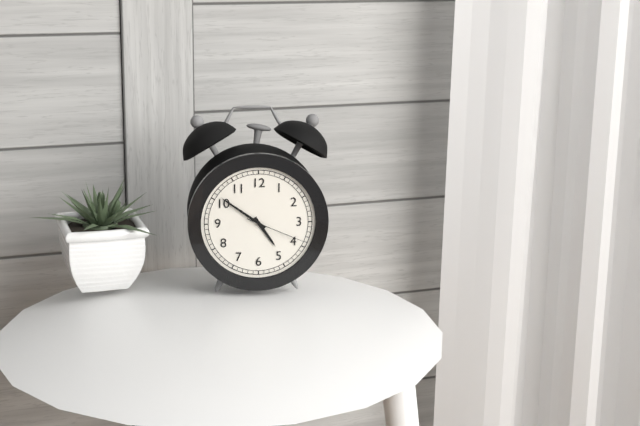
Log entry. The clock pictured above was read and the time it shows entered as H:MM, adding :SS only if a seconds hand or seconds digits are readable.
4:51:19
